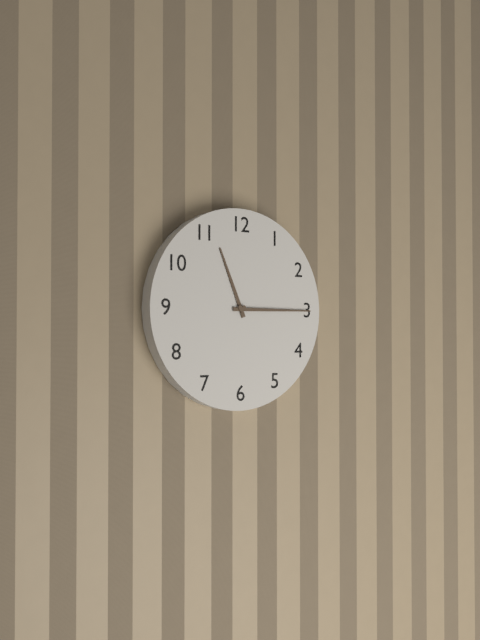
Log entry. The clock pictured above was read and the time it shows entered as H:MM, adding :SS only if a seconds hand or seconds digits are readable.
11:15
